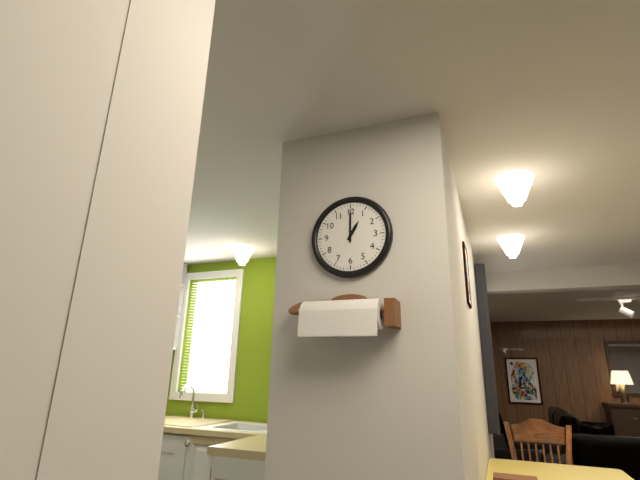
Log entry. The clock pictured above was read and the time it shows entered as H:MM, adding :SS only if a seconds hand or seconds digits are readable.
1:00
